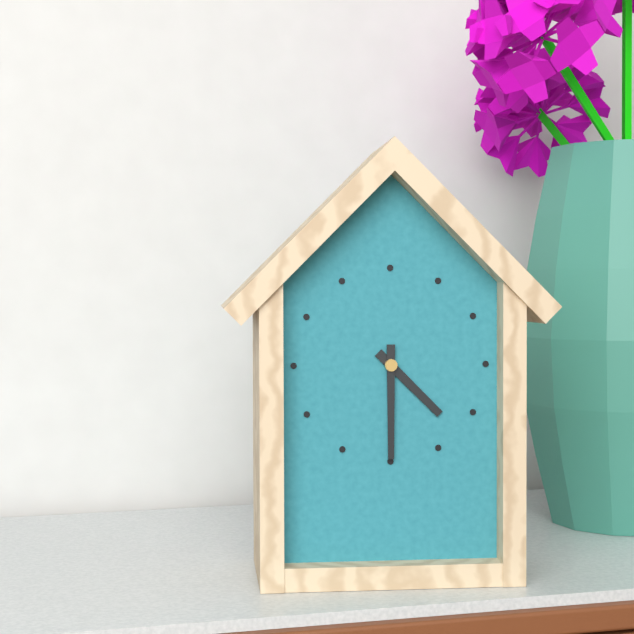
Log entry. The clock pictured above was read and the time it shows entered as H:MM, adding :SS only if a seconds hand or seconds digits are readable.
4:30
